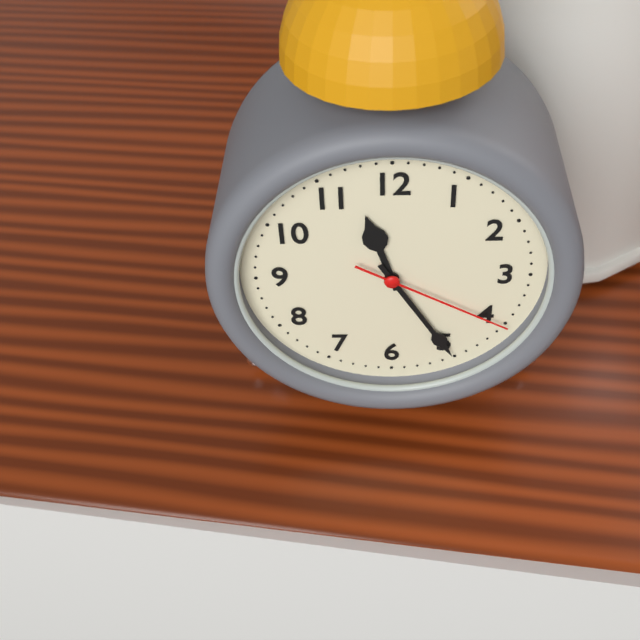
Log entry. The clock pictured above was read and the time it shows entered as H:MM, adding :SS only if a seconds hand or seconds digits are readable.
11:25:20
